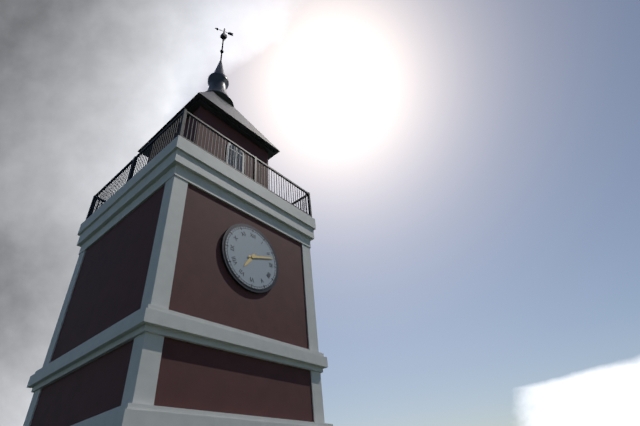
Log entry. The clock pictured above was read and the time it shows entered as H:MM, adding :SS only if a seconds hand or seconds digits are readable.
7:12
